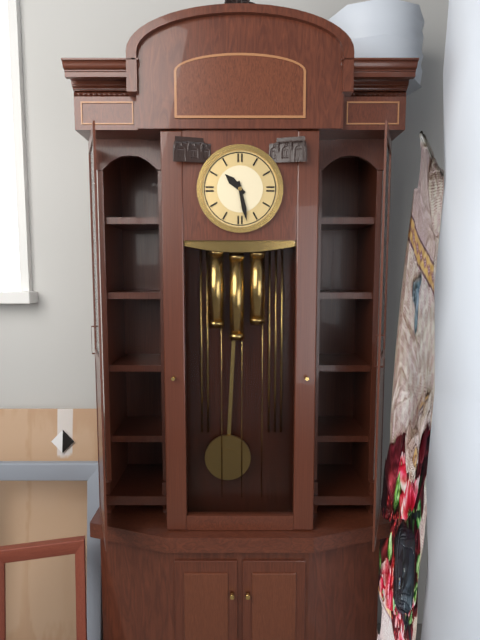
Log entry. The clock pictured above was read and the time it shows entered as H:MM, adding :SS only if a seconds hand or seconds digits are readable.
10:28
